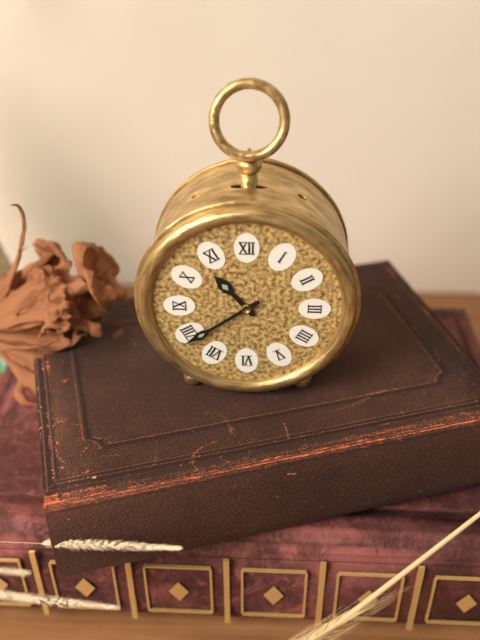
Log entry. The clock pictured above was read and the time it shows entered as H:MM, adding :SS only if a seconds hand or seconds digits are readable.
10:39
